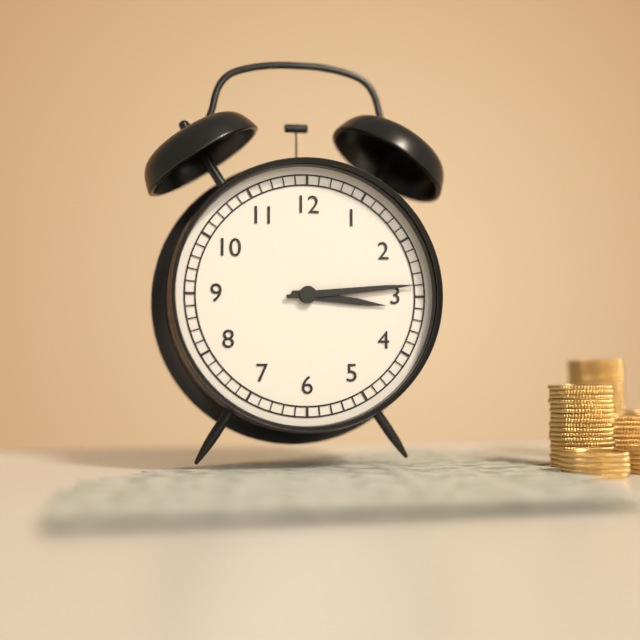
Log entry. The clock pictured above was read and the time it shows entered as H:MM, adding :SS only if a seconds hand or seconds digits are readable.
3:14
